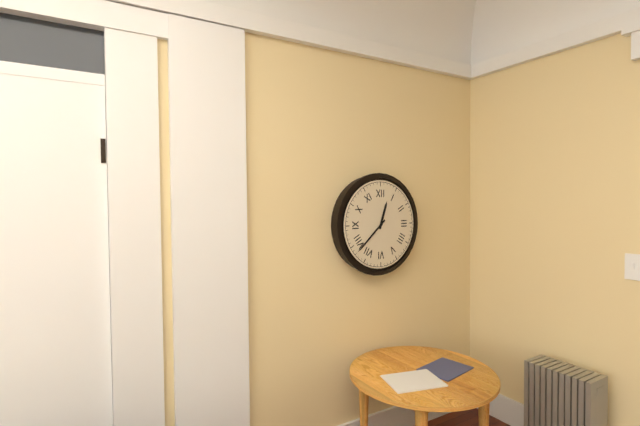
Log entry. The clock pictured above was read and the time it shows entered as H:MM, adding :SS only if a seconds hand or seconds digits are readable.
12:38
